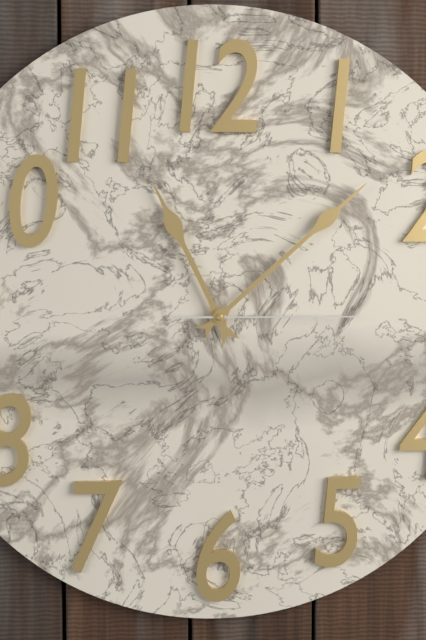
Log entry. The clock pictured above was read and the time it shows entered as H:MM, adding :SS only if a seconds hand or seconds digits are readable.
11:08:15
